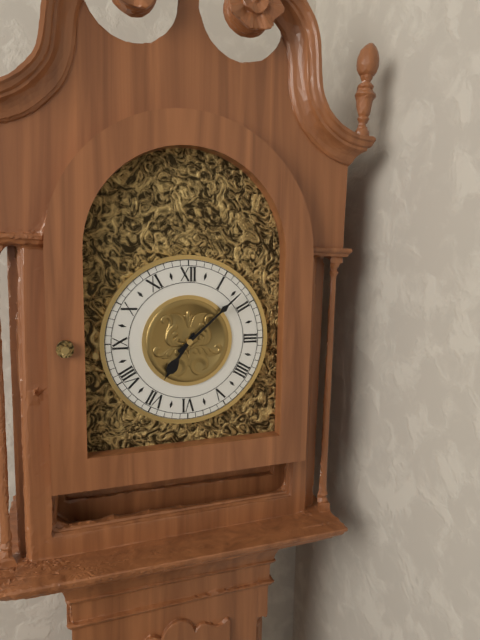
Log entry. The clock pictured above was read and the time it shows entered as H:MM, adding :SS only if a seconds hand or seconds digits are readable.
7:08
